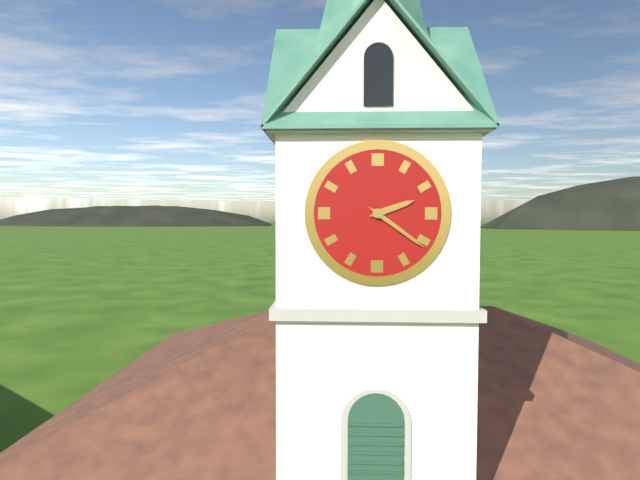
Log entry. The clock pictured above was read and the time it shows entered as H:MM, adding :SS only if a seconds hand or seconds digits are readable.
2:21
